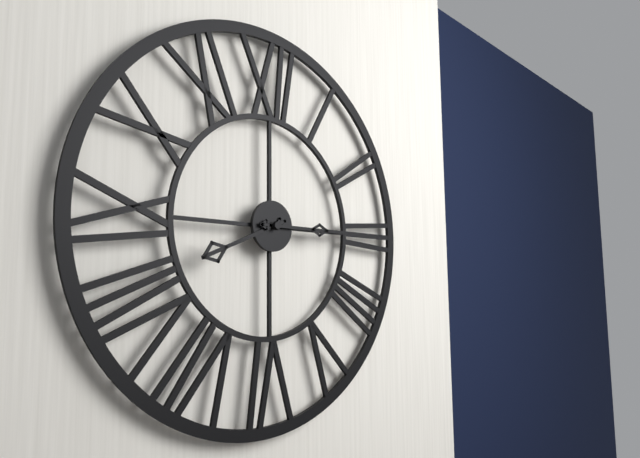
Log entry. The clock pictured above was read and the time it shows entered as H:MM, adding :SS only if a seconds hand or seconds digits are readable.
8:15
